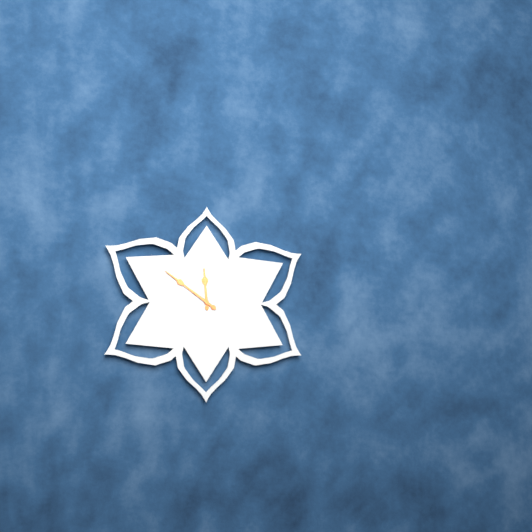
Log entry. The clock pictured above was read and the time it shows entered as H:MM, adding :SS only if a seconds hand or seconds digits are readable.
11:51
